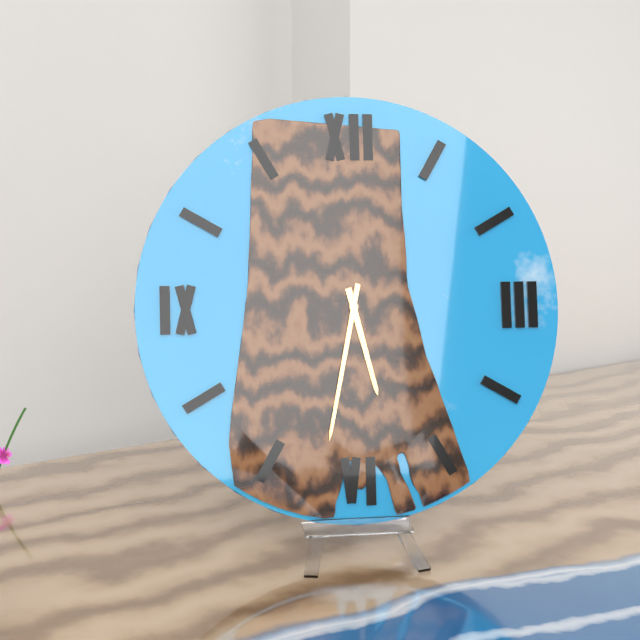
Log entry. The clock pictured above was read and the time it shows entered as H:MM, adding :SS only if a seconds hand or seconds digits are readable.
5:32
